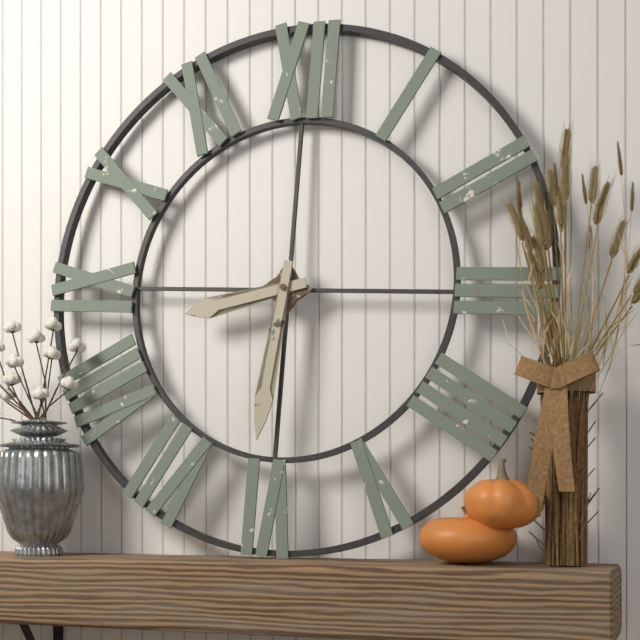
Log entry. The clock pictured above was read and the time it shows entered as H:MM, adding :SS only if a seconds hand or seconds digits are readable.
8:31
